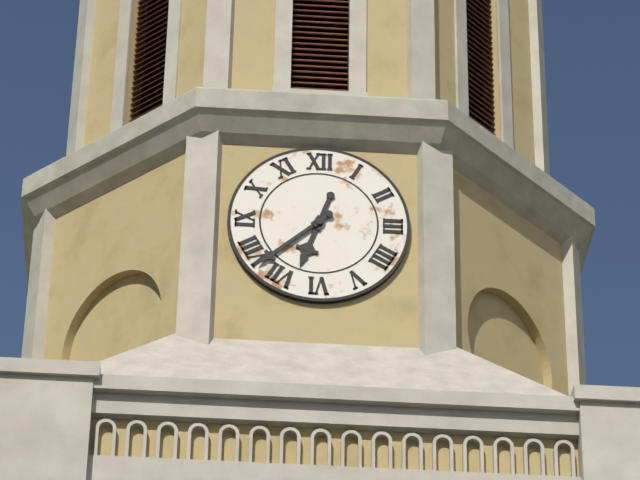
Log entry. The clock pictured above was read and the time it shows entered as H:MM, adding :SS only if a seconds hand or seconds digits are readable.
6:38
